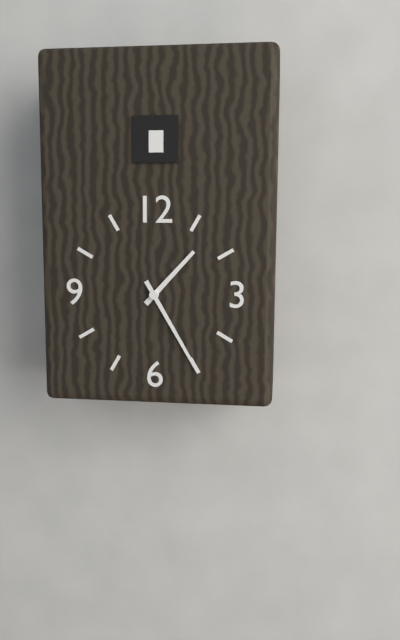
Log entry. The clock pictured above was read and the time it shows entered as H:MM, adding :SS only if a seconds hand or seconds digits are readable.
1:25
